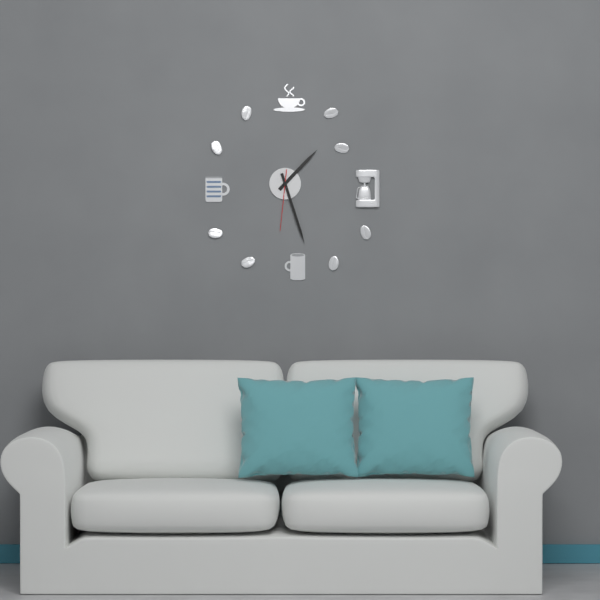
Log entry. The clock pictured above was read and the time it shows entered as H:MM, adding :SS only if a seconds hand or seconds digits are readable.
1:27:31
